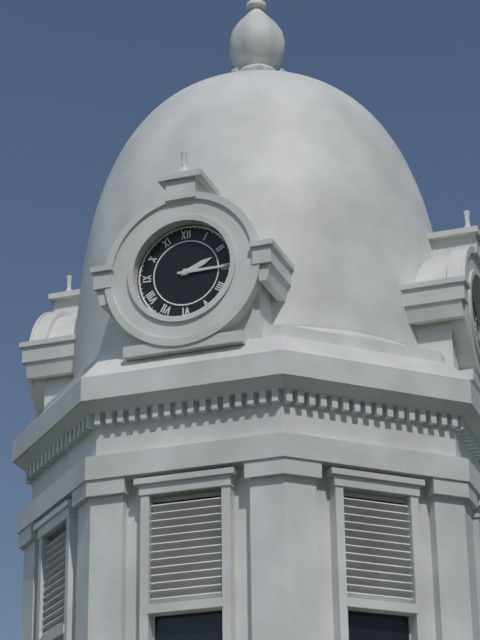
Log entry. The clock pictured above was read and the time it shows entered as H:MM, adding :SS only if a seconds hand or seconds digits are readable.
2:15
